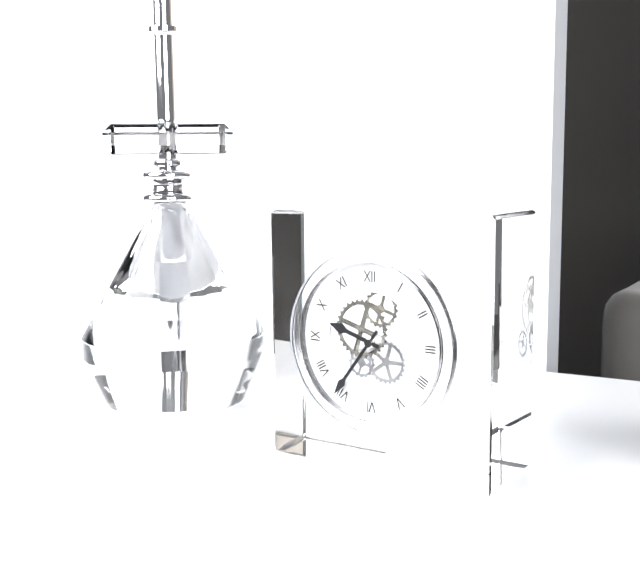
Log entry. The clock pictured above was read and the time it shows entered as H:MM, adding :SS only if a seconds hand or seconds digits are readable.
9:36
